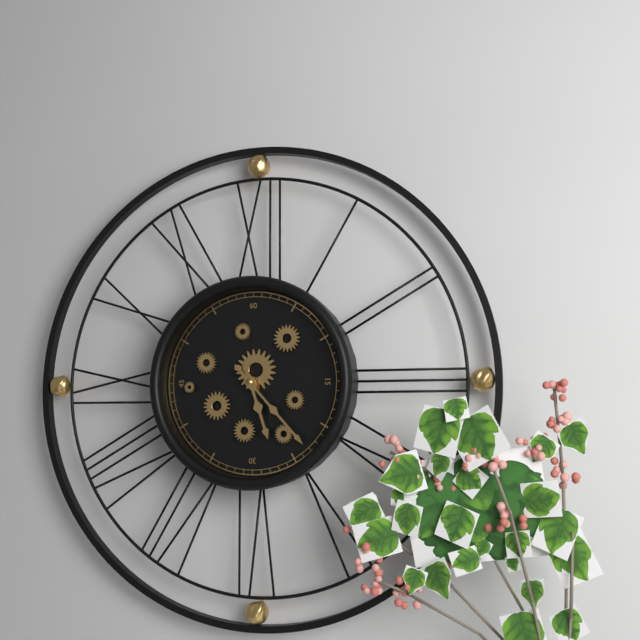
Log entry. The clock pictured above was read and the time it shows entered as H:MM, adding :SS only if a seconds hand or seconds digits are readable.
5:23
